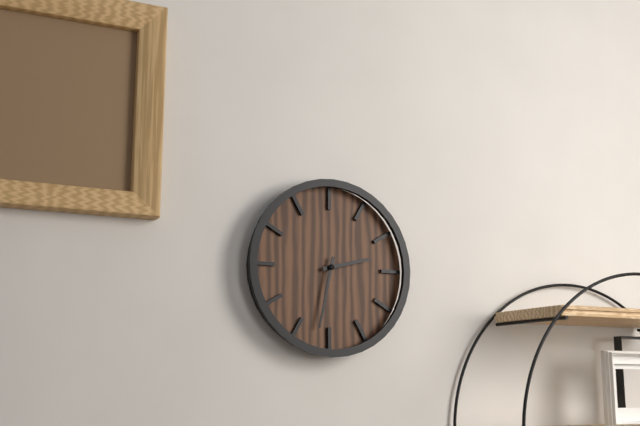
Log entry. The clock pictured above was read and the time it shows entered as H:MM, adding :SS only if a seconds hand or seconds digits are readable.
2:32
